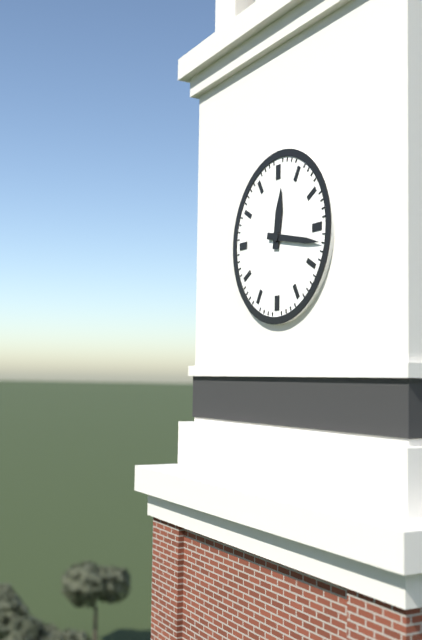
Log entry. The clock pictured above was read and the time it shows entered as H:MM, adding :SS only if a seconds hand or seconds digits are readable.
12:17
